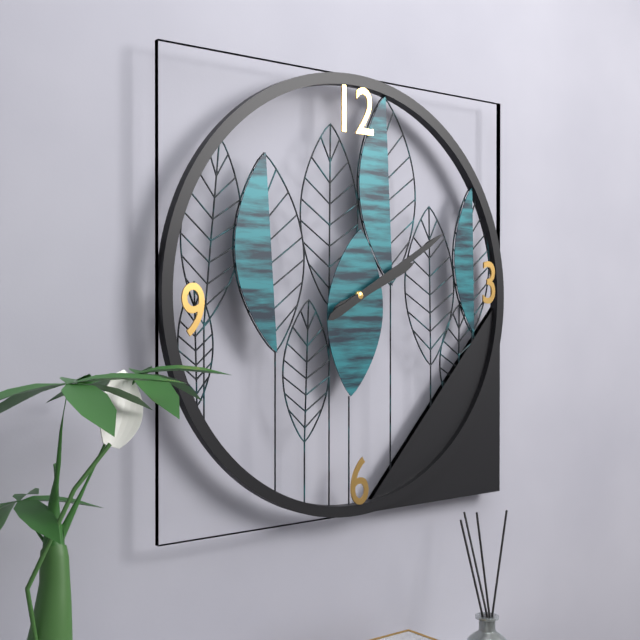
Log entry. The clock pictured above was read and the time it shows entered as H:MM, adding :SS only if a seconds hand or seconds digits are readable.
2:10
